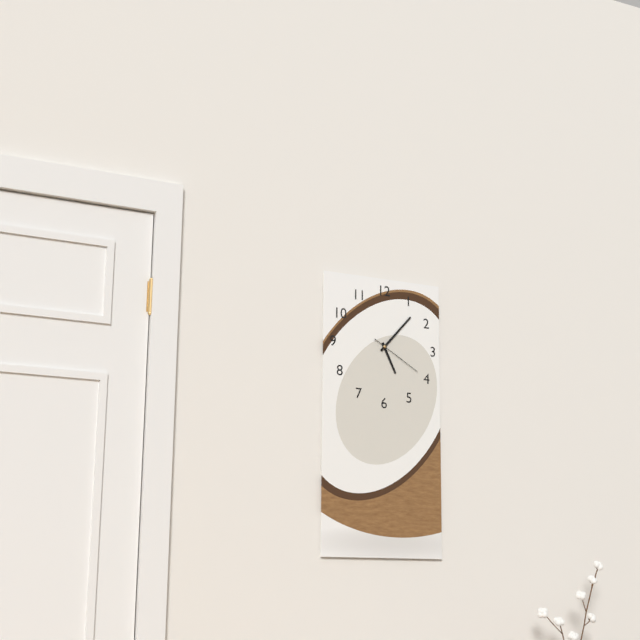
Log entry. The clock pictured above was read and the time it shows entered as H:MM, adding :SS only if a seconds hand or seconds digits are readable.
5:07:20
